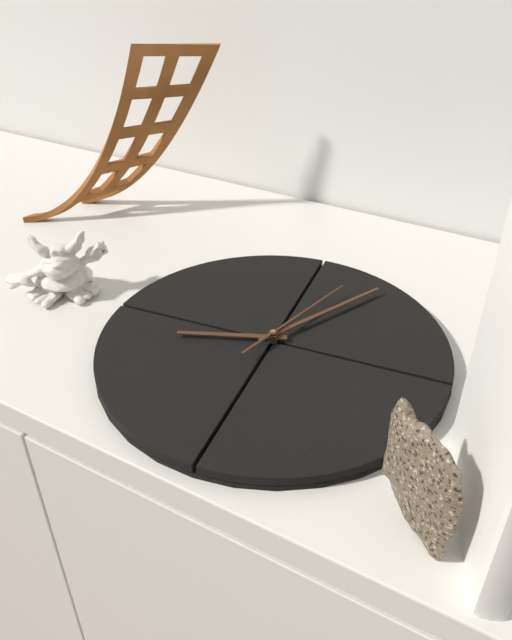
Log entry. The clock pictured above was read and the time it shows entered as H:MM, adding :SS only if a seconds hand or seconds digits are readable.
9:09:07
